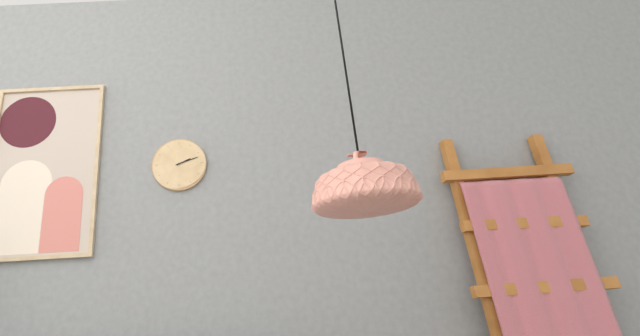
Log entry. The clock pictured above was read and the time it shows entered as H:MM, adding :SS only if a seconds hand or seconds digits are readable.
2:12
